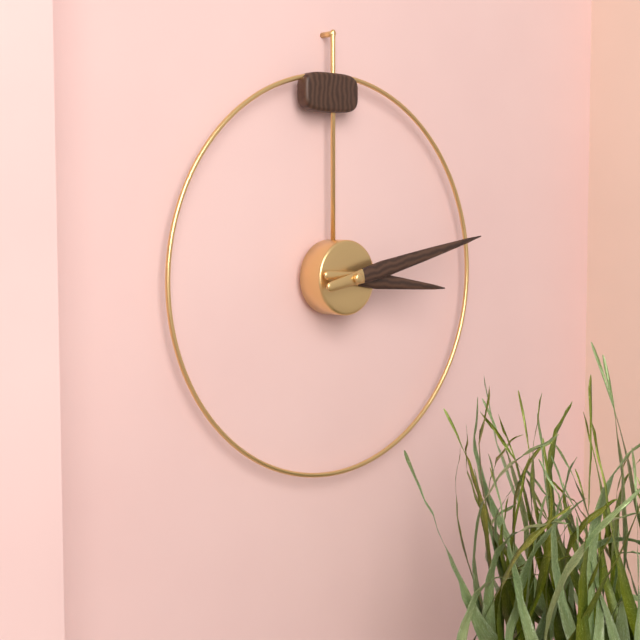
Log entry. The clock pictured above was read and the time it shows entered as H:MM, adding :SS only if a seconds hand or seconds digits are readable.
3:13
